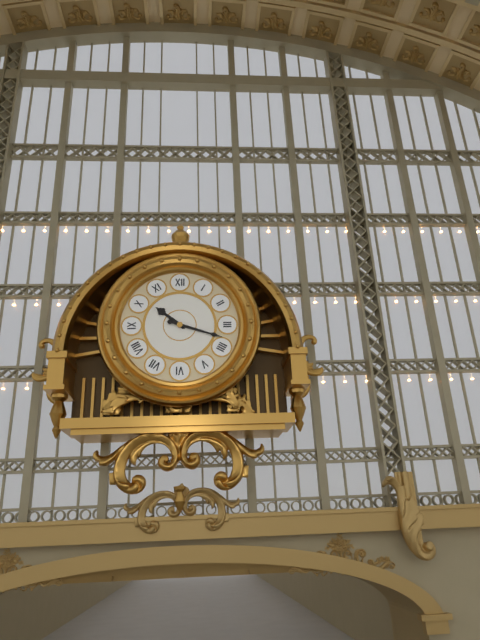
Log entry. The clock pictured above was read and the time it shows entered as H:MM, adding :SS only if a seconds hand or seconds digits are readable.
10:18
